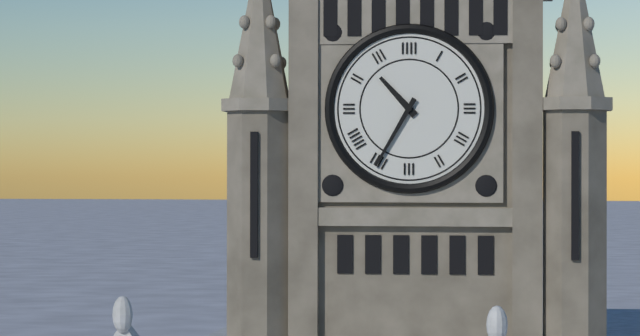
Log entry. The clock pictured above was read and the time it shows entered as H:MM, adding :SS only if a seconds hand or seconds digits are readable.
10:35
